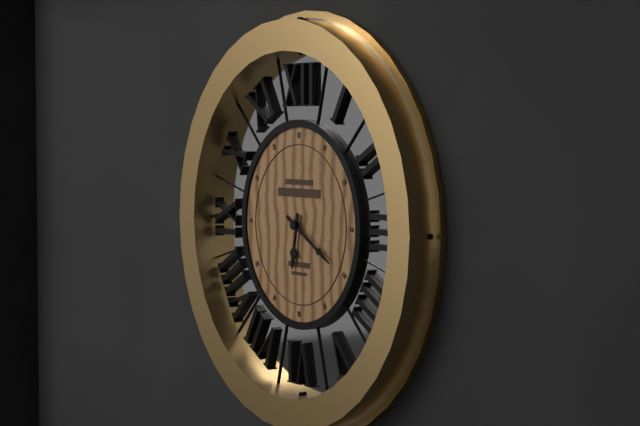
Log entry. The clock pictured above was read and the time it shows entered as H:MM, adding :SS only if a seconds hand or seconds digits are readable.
6:20
